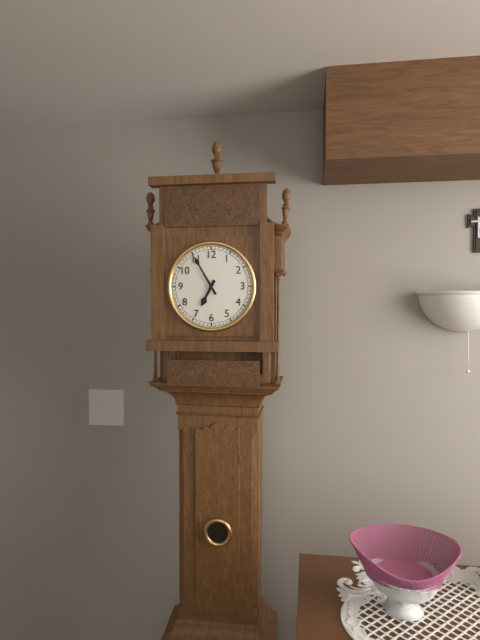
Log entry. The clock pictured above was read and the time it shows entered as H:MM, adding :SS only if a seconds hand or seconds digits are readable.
6:55
